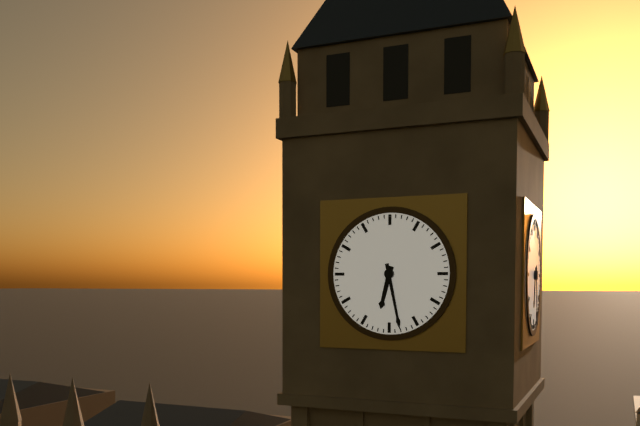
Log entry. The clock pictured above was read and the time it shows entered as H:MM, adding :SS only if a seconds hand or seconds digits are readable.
6:28
